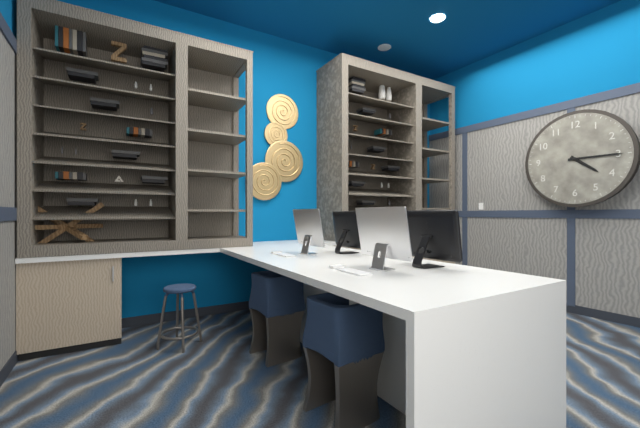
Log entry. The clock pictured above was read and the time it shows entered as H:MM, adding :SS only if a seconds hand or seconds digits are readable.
4:15
